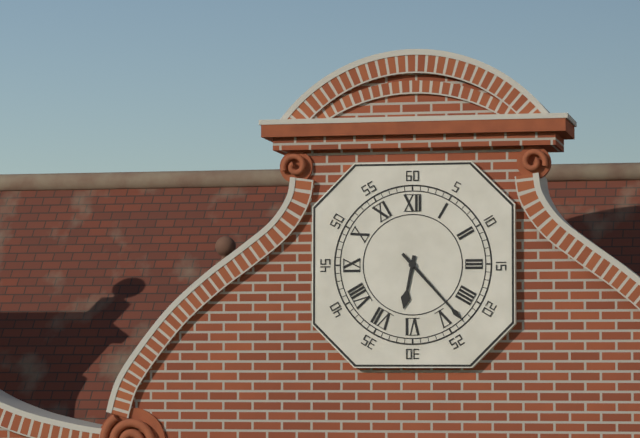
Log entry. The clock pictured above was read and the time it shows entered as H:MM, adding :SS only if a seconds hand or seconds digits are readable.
6:23
